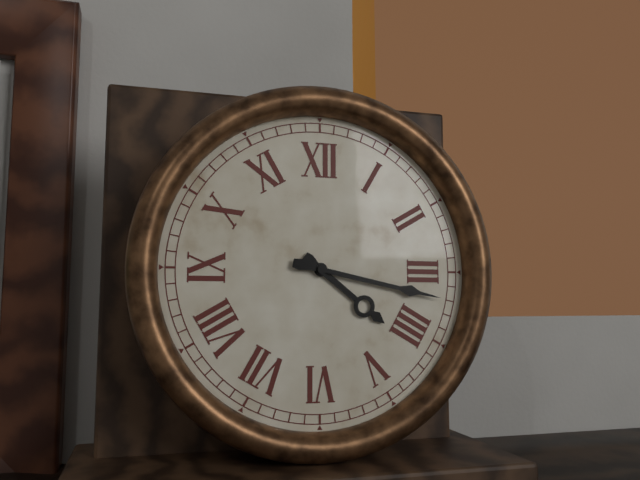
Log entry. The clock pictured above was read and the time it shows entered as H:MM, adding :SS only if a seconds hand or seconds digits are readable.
4:17
